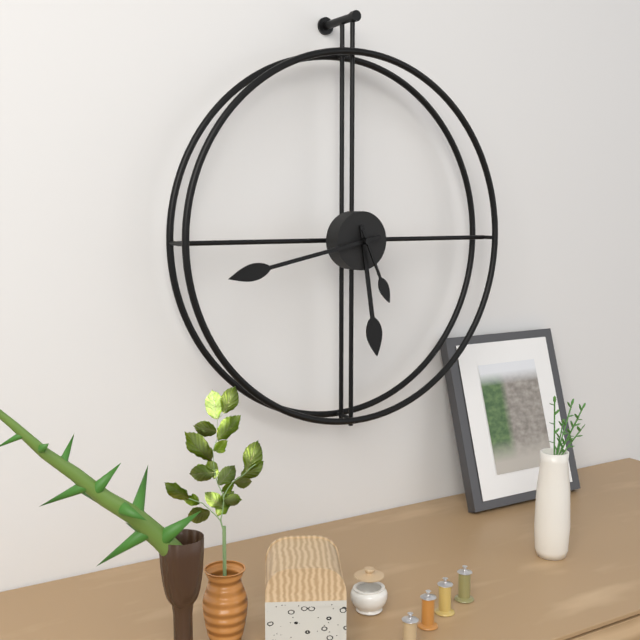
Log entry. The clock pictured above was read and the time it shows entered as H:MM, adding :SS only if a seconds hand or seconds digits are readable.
5:43:26
